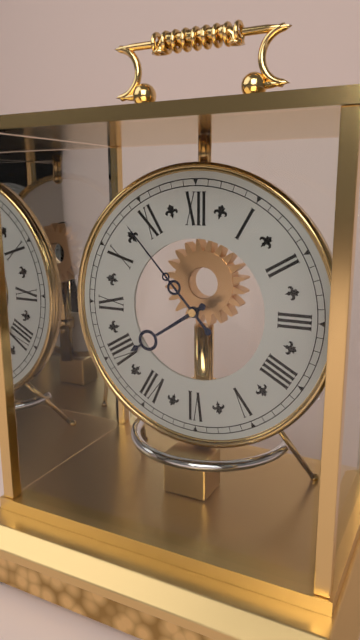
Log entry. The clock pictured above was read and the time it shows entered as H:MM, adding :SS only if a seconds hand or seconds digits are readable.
7:53
